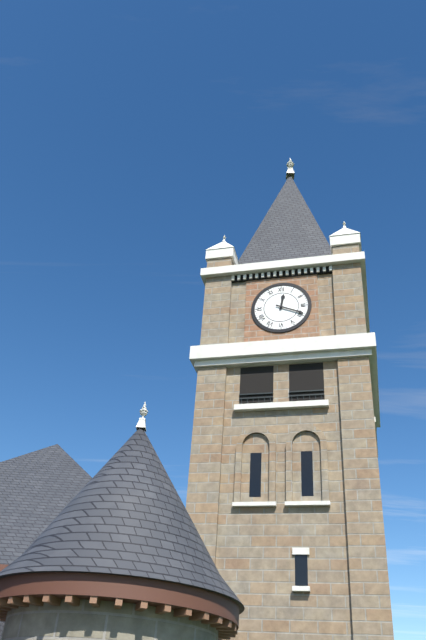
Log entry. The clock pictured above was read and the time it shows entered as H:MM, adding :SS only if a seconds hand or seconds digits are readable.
12:19
